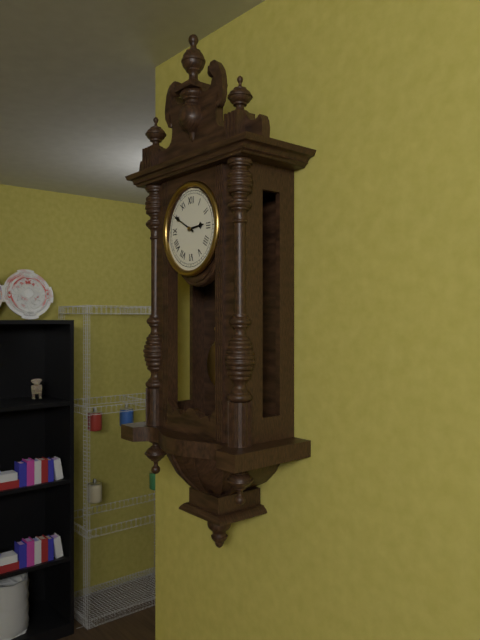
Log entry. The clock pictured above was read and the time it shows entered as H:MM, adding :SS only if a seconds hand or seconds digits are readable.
2:50
